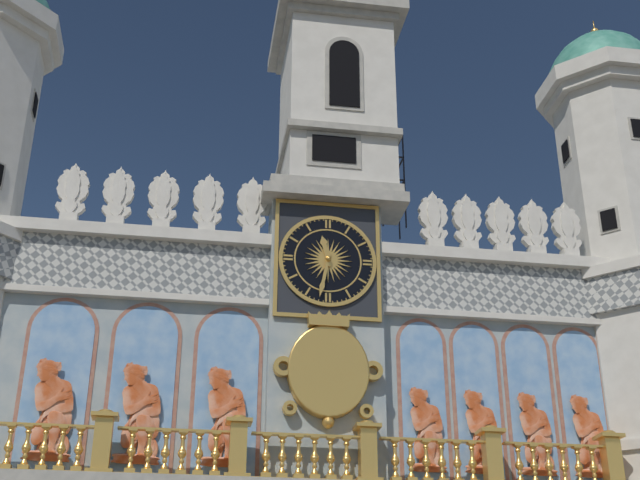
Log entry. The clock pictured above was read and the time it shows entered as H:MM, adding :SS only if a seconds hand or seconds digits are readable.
11:32
